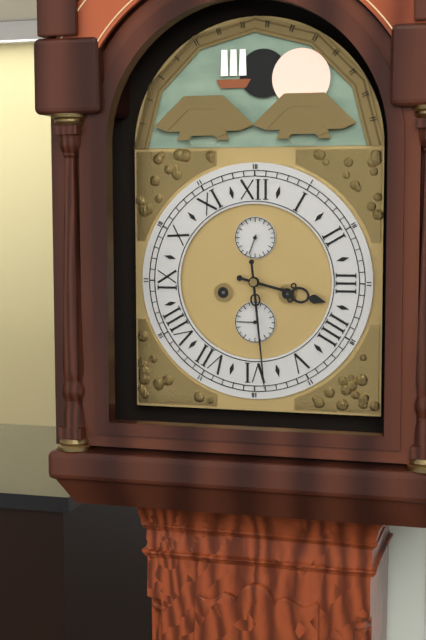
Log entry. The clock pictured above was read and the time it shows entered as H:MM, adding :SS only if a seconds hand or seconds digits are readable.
3:29
